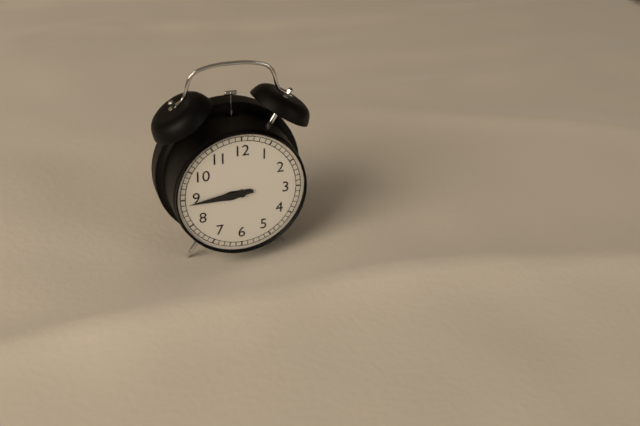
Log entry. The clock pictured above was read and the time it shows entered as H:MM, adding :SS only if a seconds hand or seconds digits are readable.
8:44
